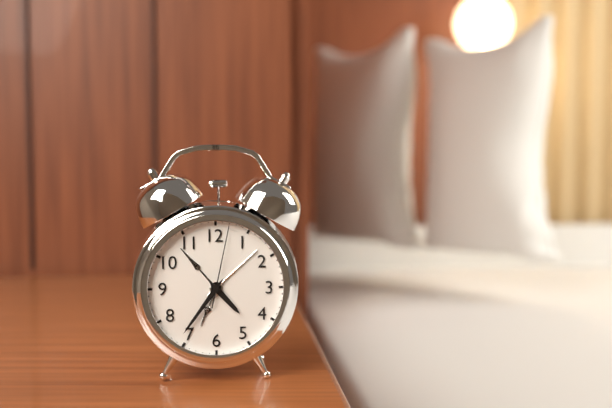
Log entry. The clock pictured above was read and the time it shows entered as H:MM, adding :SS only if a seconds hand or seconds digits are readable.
4:36:02
